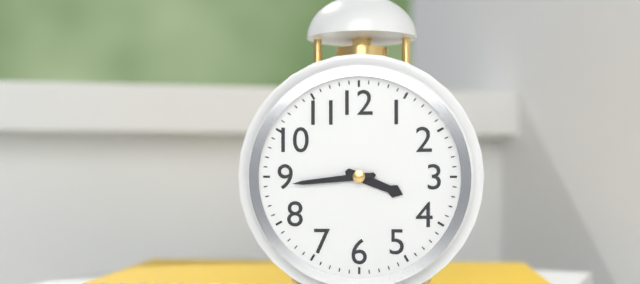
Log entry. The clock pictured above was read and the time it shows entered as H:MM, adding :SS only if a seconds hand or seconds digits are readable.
3:44
